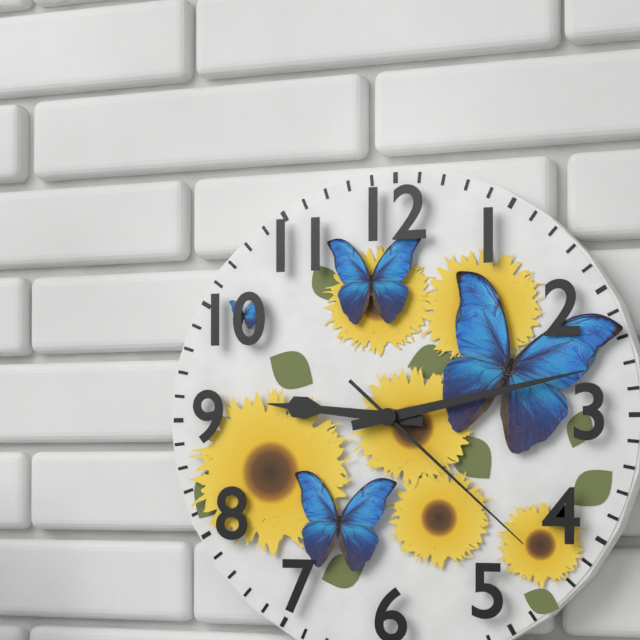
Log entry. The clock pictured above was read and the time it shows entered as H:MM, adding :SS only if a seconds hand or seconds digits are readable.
9:13:22
